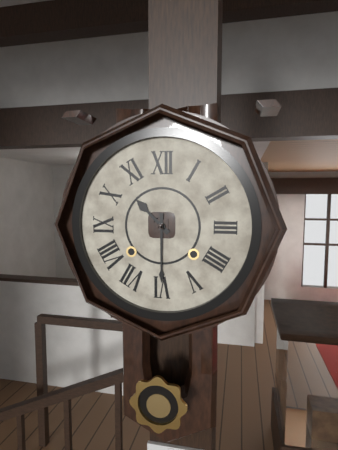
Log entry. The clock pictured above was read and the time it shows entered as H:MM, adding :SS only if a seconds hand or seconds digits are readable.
10:30
